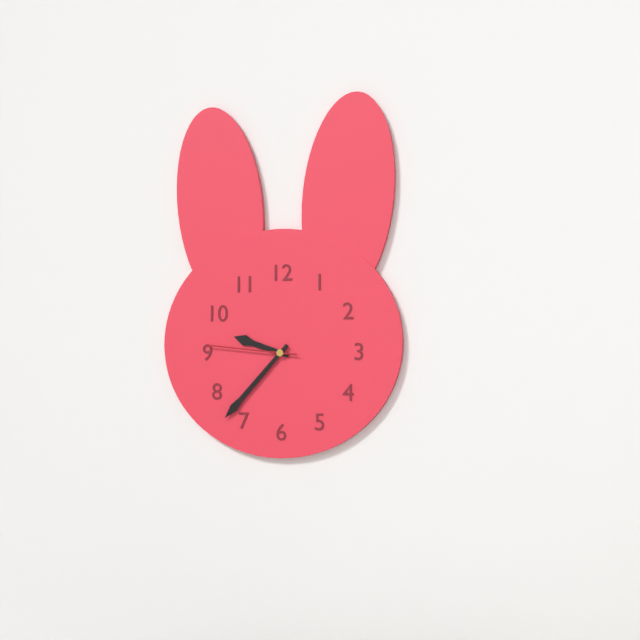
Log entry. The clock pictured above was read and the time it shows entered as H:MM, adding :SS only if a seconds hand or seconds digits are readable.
9:37:46
